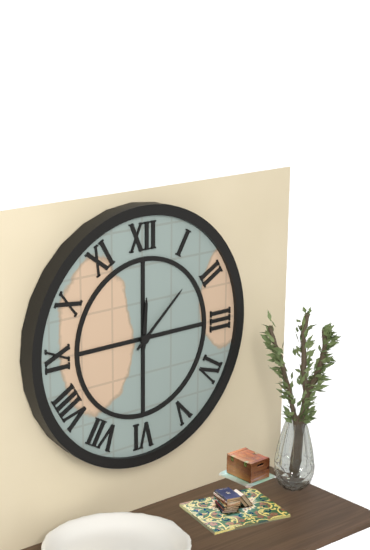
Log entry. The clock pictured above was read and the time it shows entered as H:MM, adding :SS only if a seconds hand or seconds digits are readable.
12:08
